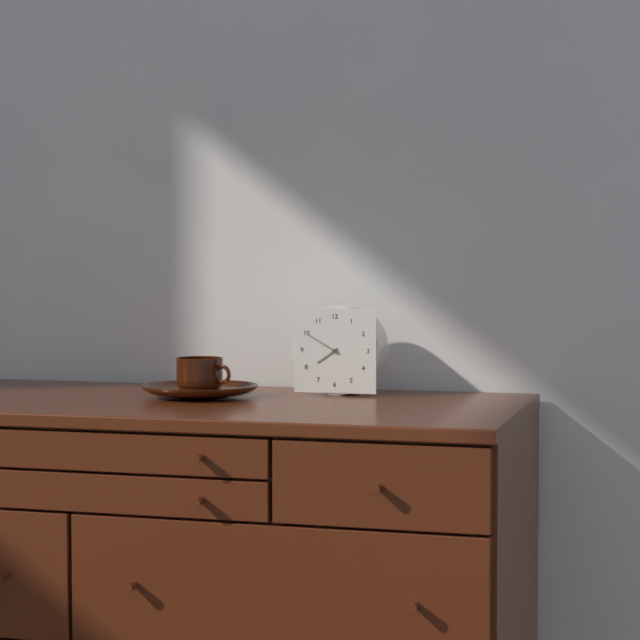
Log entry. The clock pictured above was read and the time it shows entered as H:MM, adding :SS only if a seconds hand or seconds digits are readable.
7:50
